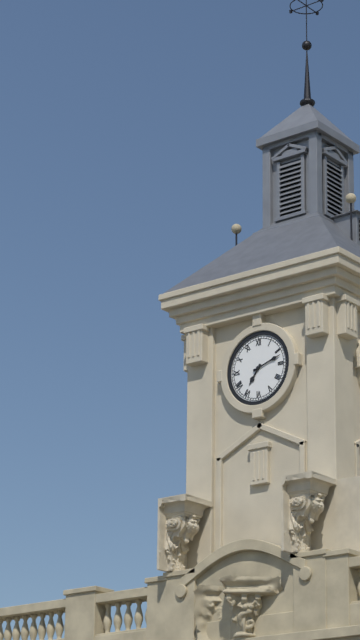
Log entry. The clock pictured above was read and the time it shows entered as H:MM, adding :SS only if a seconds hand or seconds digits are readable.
7:12
